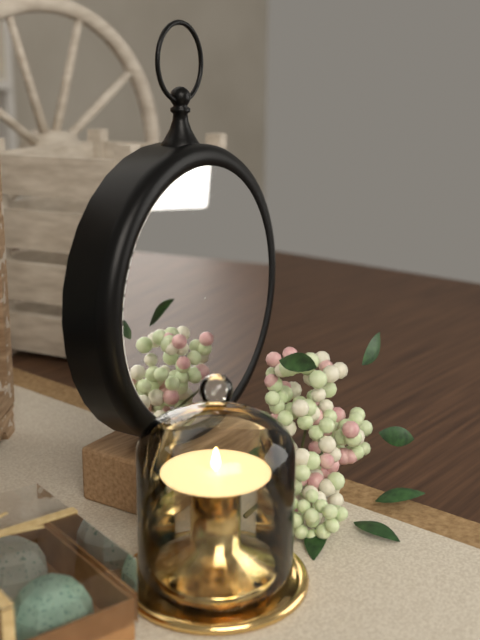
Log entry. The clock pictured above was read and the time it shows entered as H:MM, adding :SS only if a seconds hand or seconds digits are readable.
2:51
